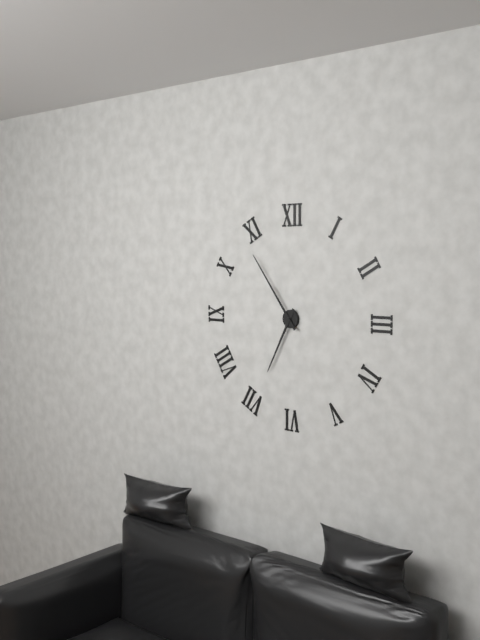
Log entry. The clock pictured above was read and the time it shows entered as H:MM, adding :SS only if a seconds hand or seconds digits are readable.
6:54
